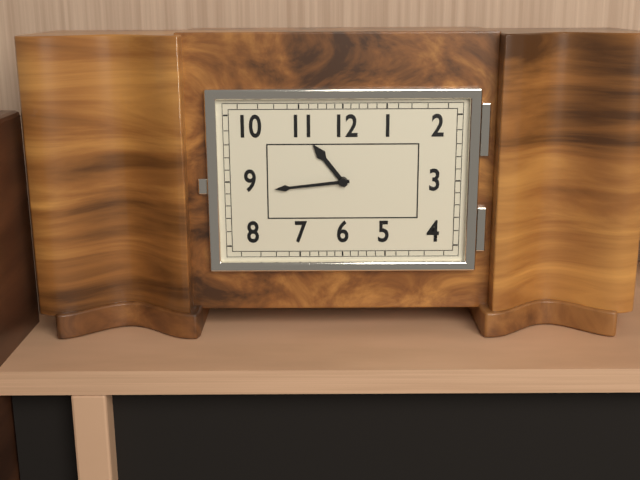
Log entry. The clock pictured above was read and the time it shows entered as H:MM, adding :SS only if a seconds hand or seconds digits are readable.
10:44
